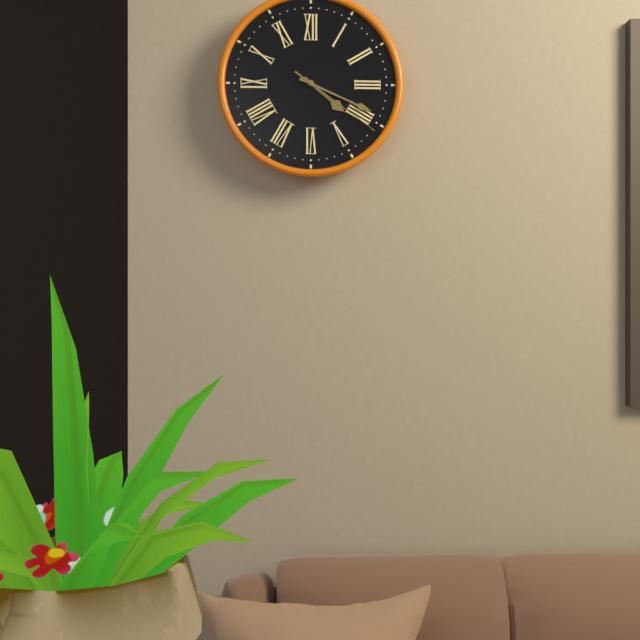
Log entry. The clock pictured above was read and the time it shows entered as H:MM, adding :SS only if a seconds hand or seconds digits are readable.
4:19:21
